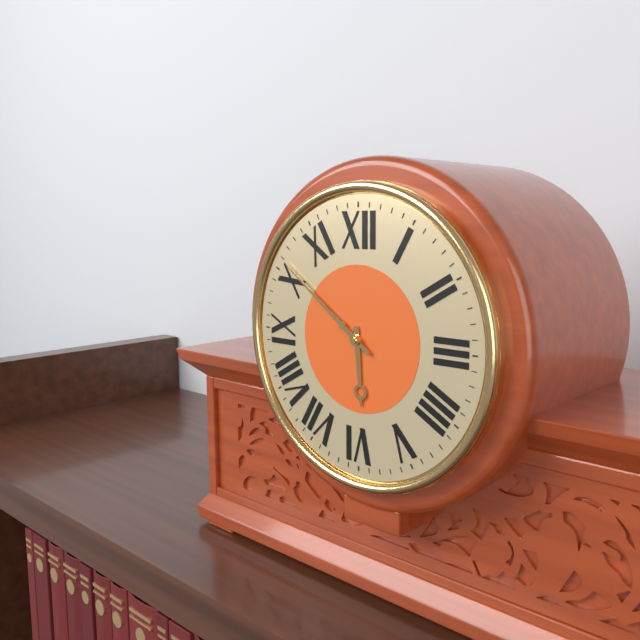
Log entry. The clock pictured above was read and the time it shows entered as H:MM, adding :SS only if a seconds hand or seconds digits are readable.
5:51
